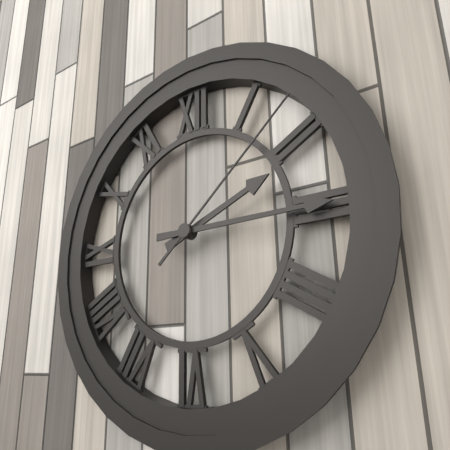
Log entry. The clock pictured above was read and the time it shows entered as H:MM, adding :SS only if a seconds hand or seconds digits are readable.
2:15:08
